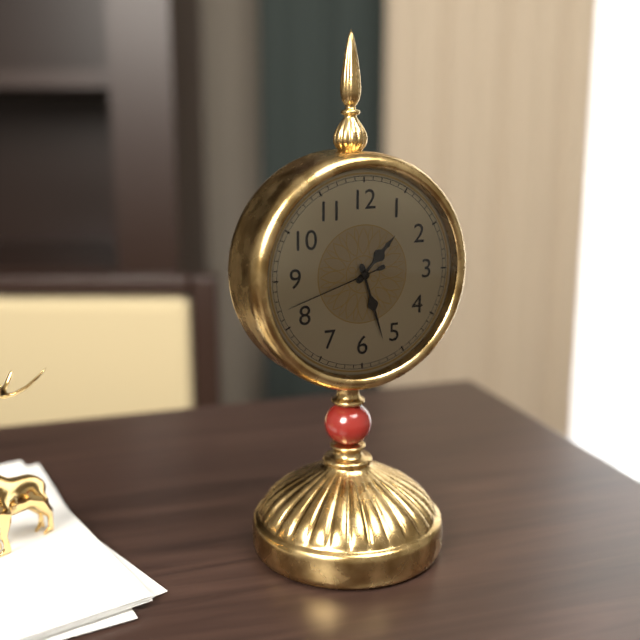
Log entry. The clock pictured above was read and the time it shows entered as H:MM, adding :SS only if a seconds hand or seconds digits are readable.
1:27:42
